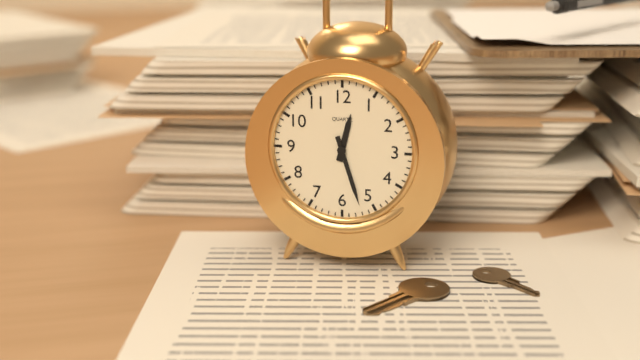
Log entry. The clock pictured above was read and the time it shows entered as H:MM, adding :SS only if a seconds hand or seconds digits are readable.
12:27
